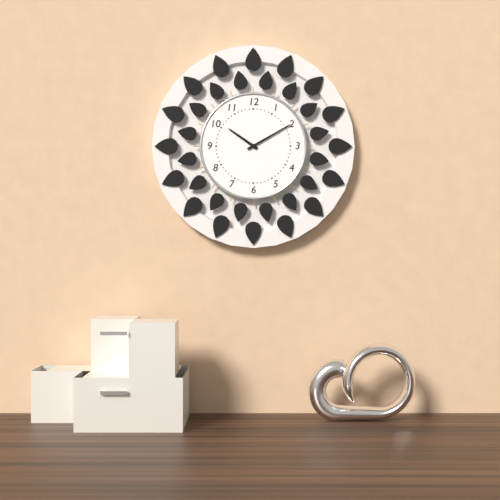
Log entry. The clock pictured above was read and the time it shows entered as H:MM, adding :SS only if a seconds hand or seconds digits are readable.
10:10
